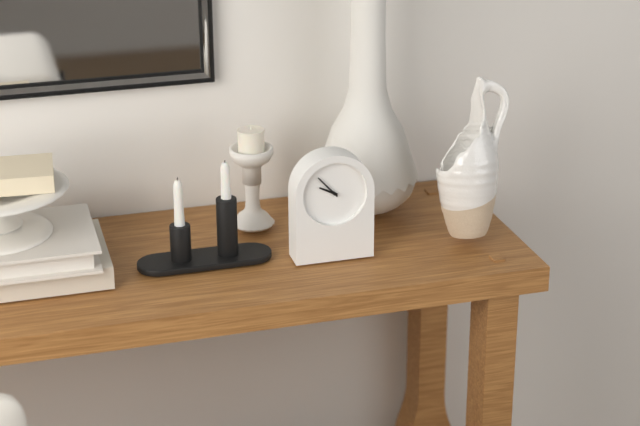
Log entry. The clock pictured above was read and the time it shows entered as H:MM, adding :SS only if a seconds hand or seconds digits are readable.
9:53
